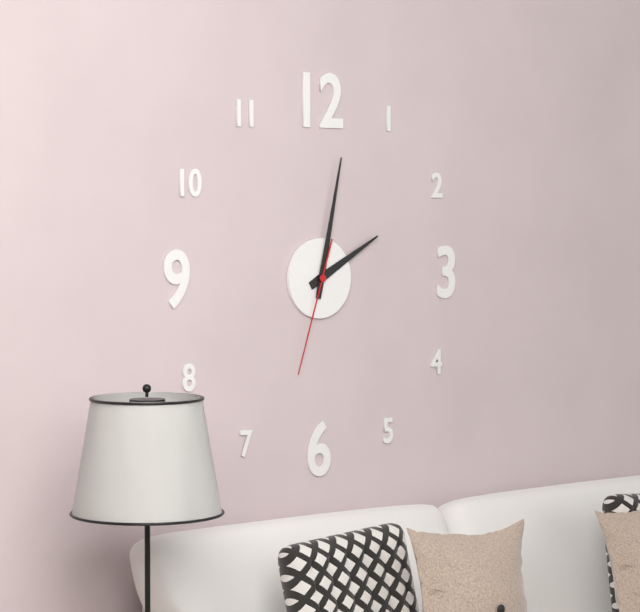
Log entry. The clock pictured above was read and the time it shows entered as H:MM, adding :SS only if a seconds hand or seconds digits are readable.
2:02:33
